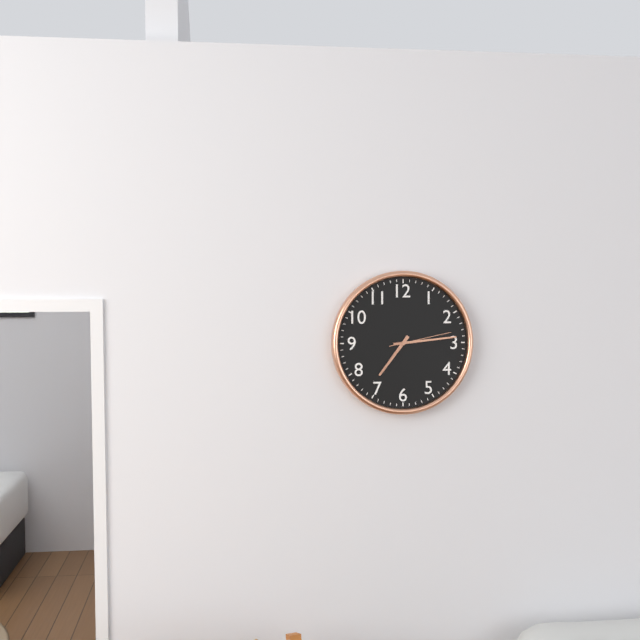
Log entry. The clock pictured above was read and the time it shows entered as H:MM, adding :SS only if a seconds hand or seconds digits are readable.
7:14:13
